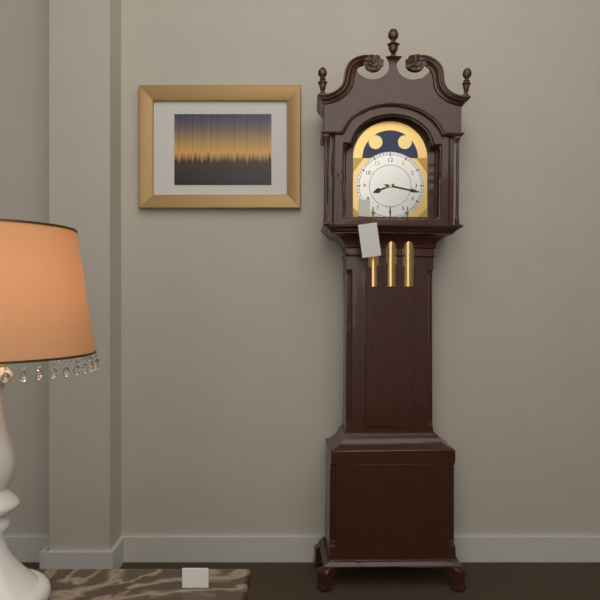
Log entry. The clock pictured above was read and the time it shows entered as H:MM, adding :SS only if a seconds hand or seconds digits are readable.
8:17
